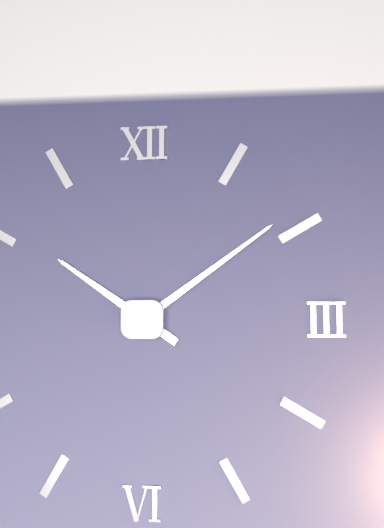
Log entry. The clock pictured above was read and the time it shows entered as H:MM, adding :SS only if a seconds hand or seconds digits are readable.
10:09
